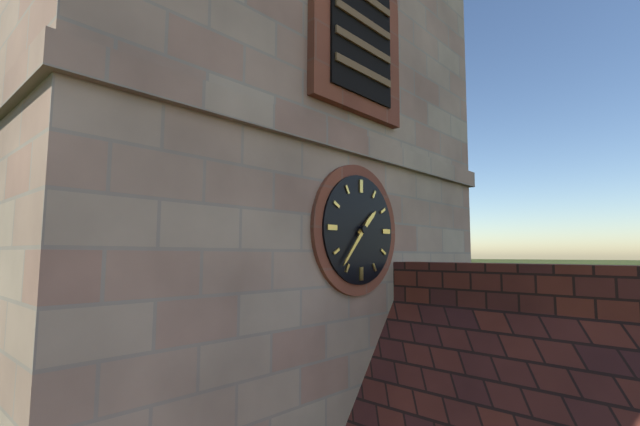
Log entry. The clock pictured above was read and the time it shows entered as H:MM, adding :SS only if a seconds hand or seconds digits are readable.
1:37
